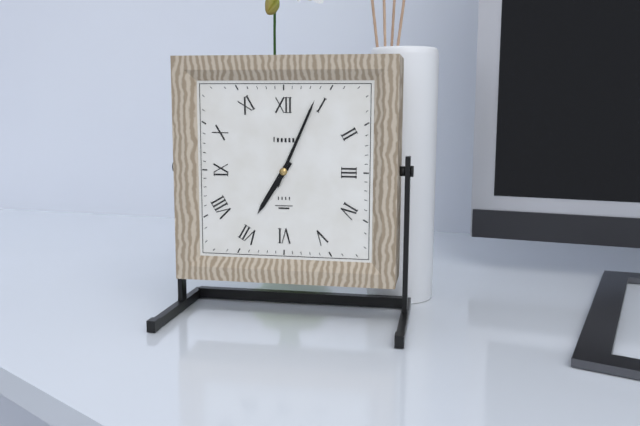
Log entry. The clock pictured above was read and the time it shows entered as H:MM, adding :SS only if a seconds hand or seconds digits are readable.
7:04
